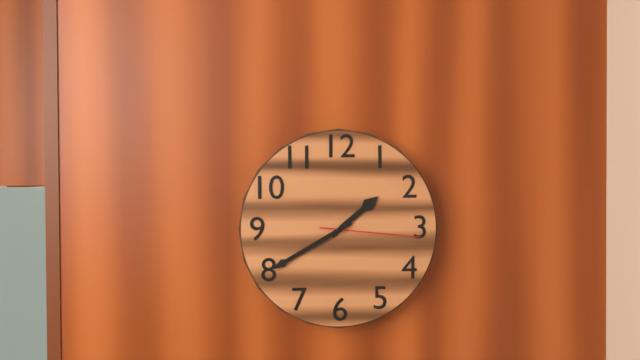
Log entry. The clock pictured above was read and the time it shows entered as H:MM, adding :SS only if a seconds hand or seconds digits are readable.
1:40:16
